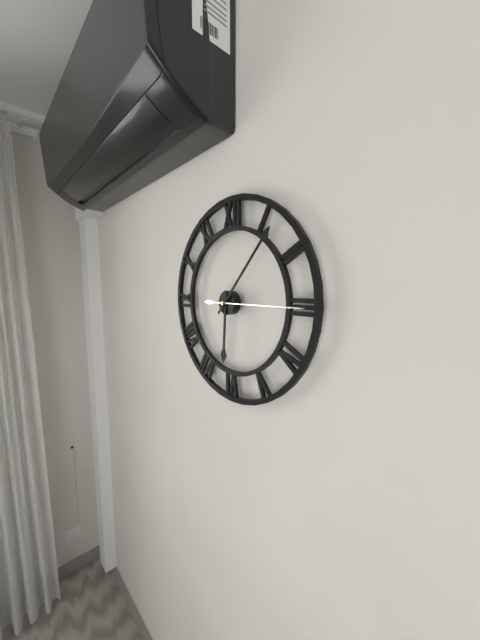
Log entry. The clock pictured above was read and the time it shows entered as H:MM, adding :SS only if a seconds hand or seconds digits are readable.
6:07:15
